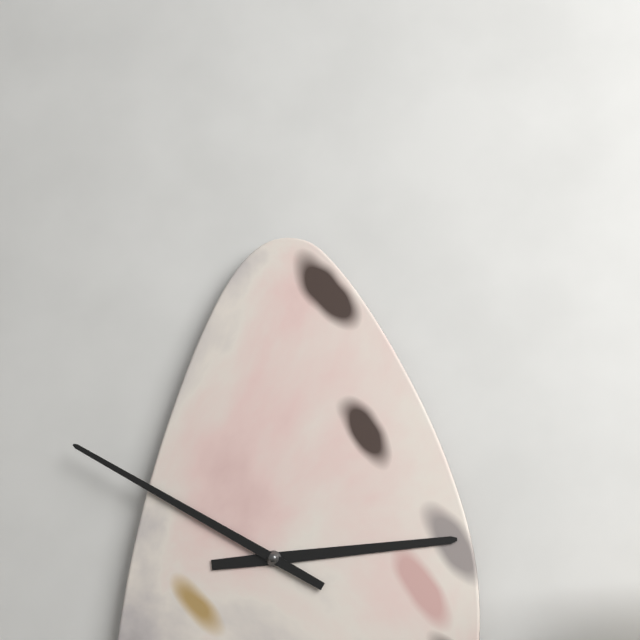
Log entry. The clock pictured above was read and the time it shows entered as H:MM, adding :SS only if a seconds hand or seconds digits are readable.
2:50
